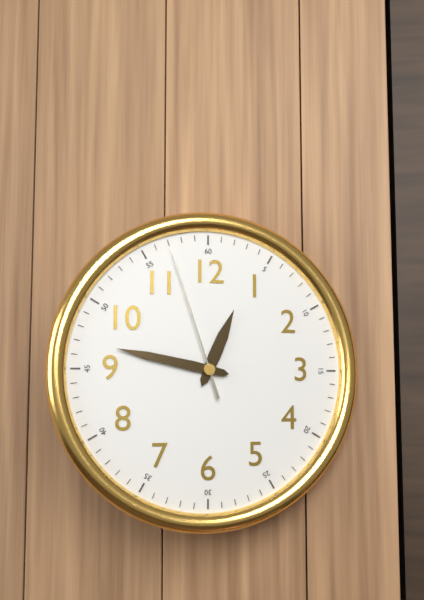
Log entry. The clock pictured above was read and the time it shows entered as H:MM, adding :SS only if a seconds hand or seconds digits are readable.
12:47:57
